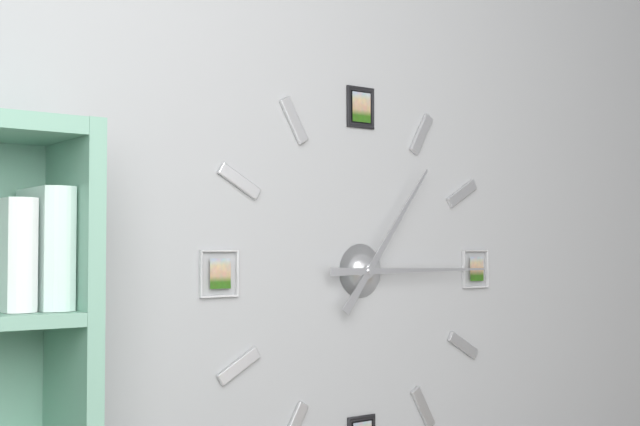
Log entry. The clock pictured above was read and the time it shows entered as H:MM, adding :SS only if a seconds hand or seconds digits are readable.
1:15
